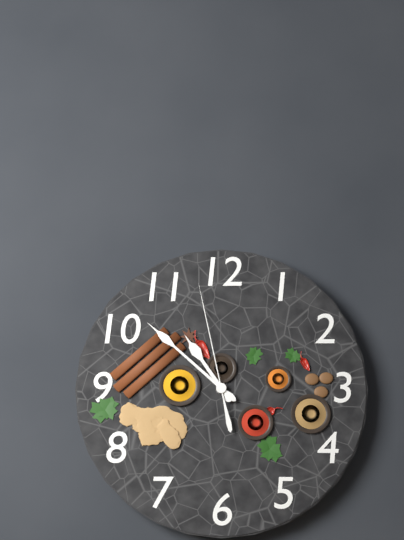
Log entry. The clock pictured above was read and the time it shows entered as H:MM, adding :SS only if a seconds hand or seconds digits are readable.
10:52:58
